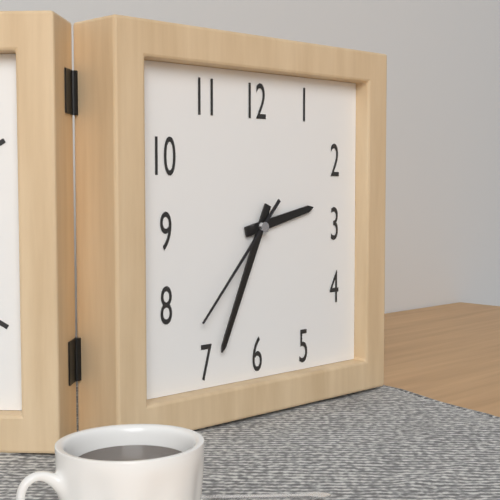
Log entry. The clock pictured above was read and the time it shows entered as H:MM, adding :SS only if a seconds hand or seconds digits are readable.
2:34:37
